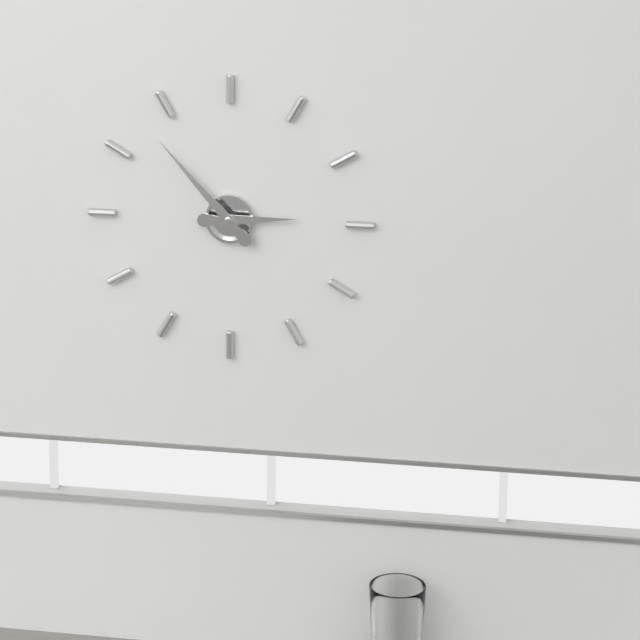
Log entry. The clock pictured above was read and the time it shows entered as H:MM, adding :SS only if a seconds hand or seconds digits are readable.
2:53
